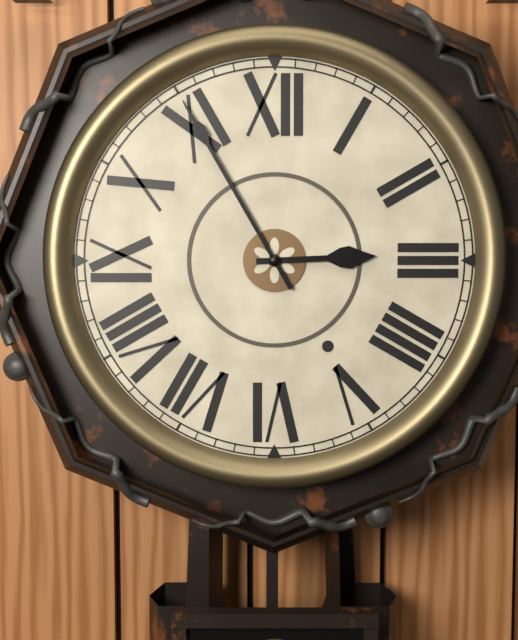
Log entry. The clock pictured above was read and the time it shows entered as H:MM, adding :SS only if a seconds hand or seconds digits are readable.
2:55
